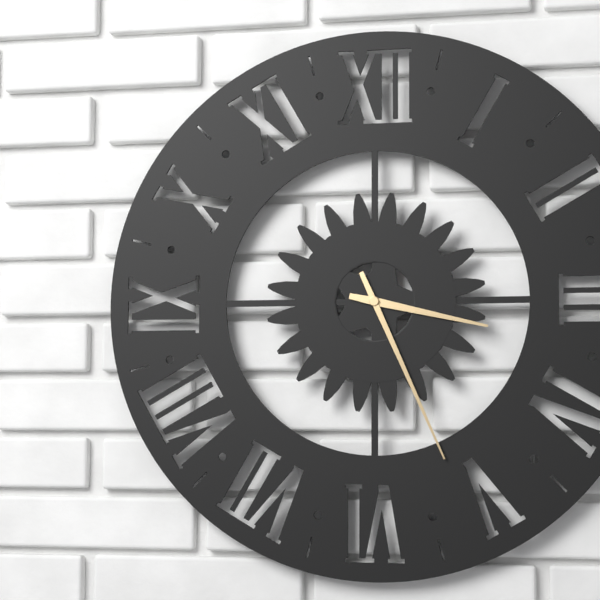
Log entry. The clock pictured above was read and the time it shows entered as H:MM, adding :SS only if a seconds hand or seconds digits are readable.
3:26
